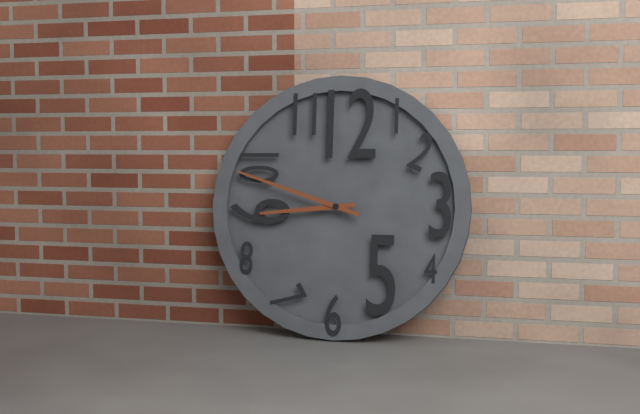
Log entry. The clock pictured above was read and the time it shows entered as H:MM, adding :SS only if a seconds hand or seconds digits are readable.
8:48
